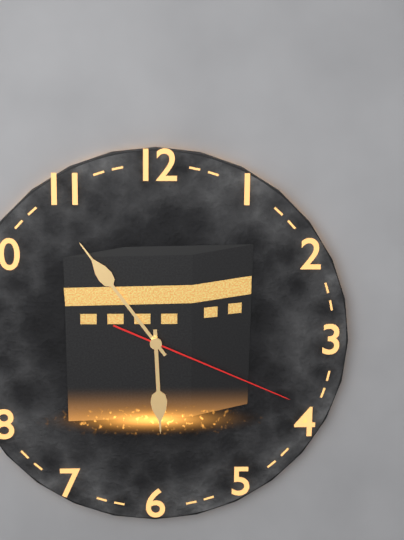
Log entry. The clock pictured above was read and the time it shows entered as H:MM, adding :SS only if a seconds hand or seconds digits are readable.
5:54:19
